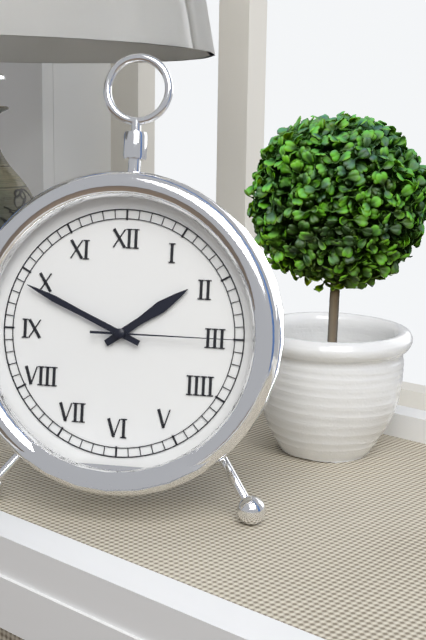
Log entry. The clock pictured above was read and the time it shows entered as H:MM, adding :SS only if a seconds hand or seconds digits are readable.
1:49:15
